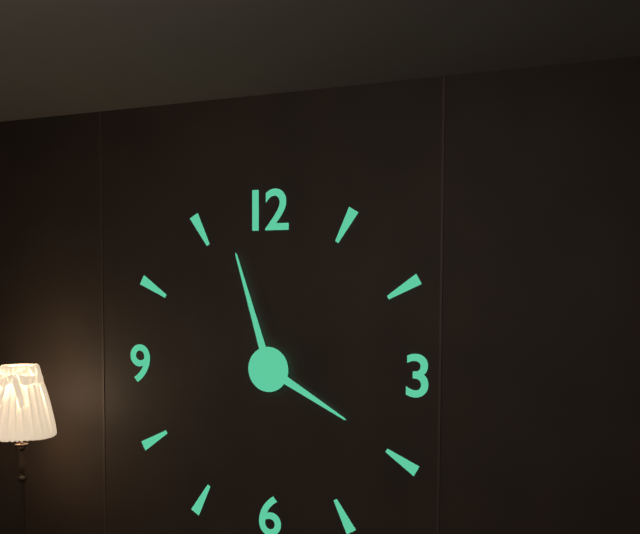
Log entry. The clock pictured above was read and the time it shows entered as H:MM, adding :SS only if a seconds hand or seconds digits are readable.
3:57
